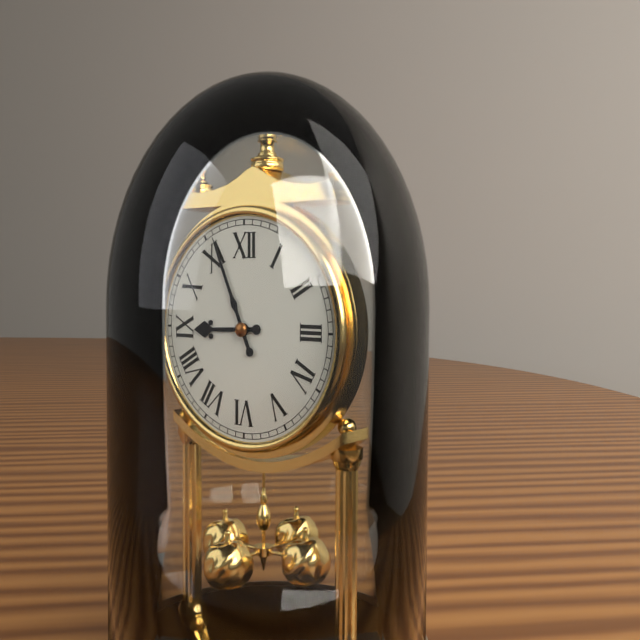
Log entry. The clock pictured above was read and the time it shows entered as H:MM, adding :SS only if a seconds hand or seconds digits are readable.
8:56
